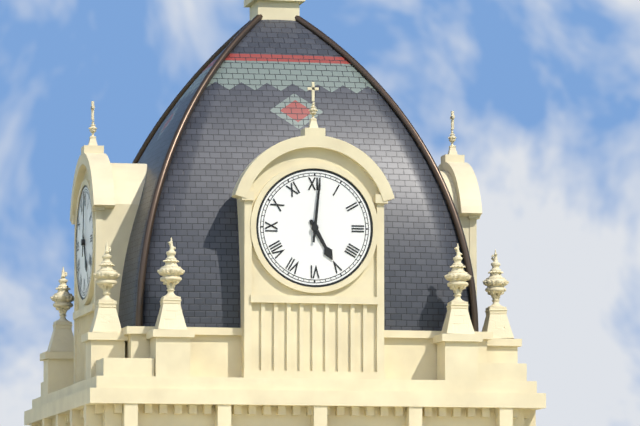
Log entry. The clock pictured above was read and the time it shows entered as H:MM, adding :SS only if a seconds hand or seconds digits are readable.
5:01
